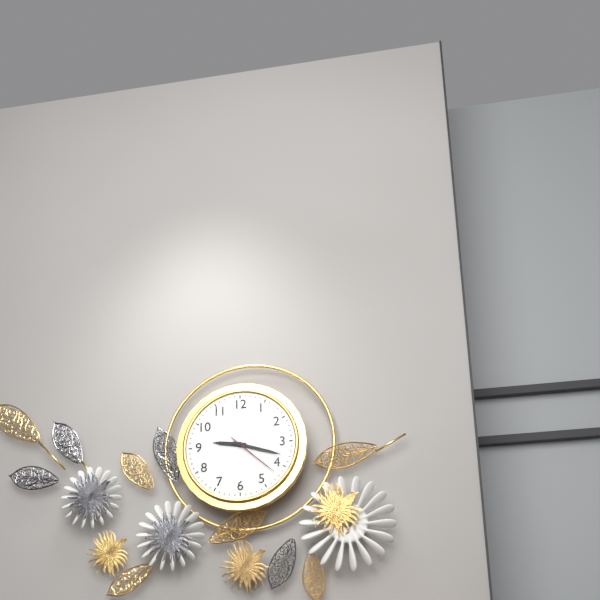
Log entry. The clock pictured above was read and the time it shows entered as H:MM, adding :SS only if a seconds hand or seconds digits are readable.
9:18:22
